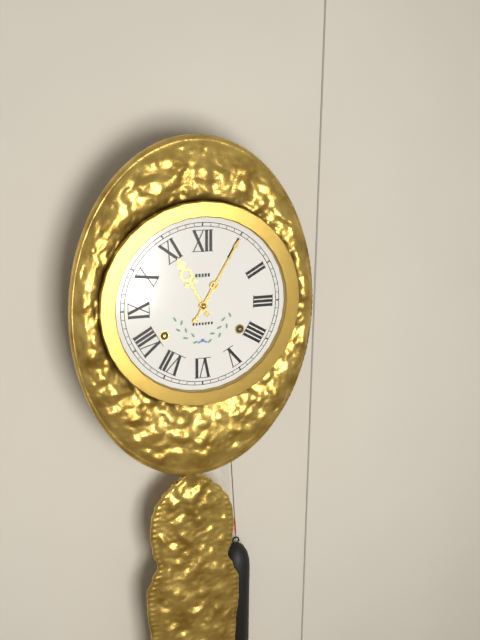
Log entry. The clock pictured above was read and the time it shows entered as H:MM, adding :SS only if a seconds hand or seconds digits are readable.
11:05
